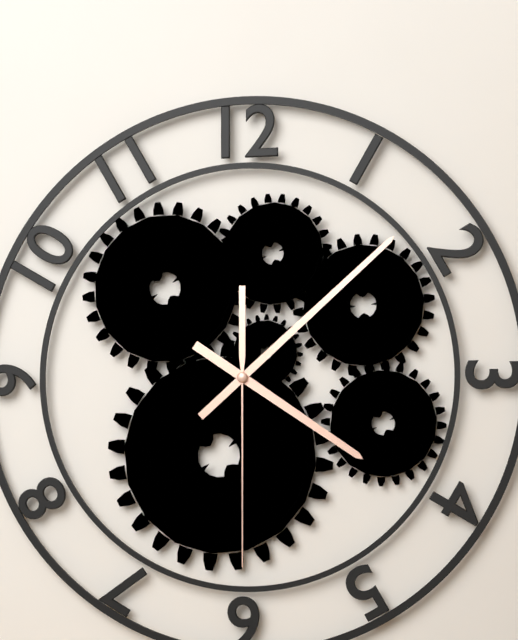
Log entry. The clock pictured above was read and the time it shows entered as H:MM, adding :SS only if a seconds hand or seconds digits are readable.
4:08:30
